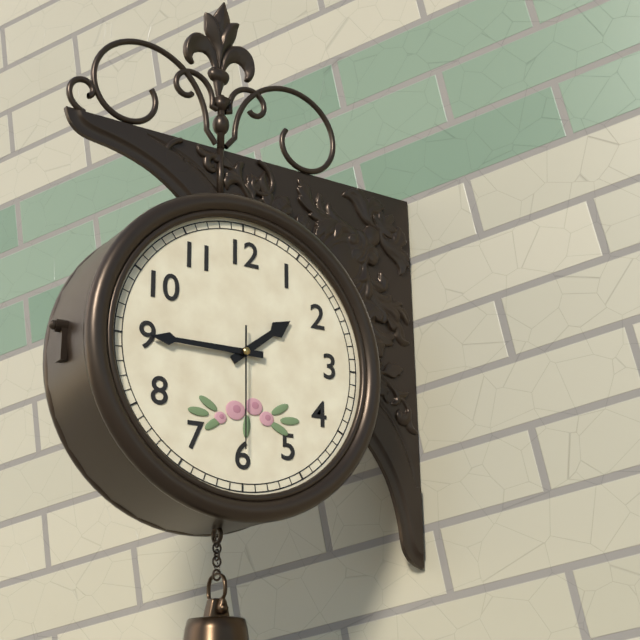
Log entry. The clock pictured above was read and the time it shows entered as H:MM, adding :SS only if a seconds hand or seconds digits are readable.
1:45:30
